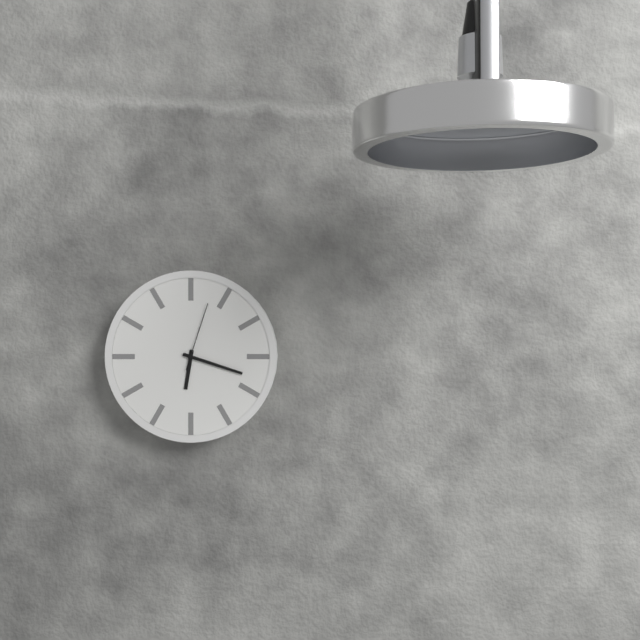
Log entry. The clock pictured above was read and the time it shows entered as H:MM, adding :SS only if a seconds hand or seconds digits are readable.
6:18:03
